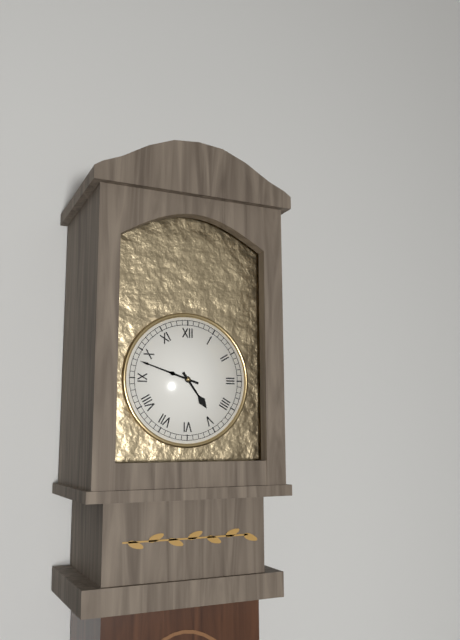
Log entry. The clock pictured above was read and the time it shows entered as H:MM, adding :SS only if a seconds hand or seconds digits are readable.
4:48
